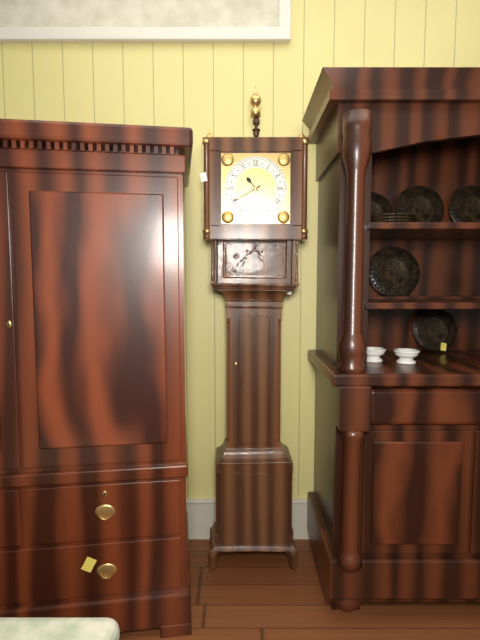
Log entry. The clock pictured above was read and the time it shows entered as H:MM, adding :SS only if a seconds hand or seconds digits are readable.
10:40
